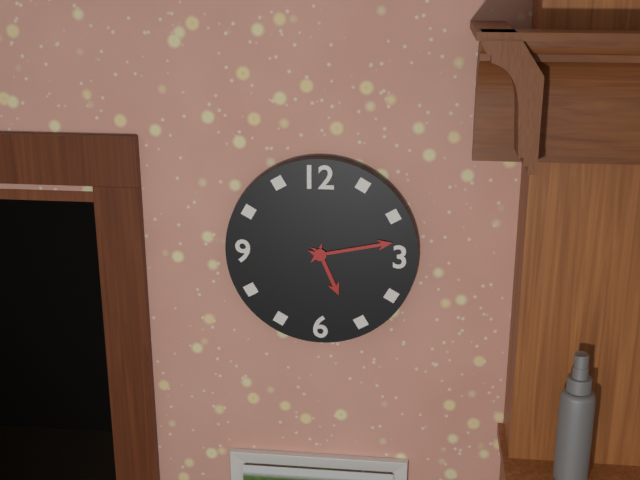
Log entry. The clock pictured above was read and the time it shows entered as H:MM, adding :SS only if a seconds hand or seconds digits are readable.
5:13
